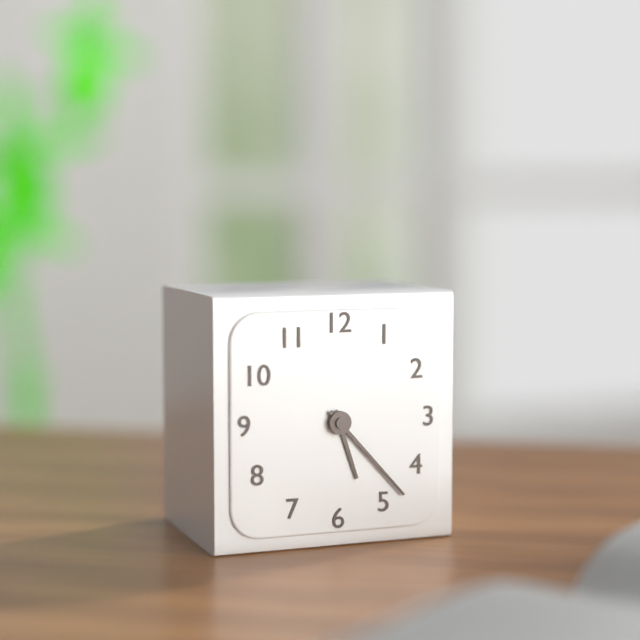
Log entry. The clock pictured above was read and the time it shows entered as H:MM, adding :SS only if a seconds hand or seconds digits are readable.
5:23
